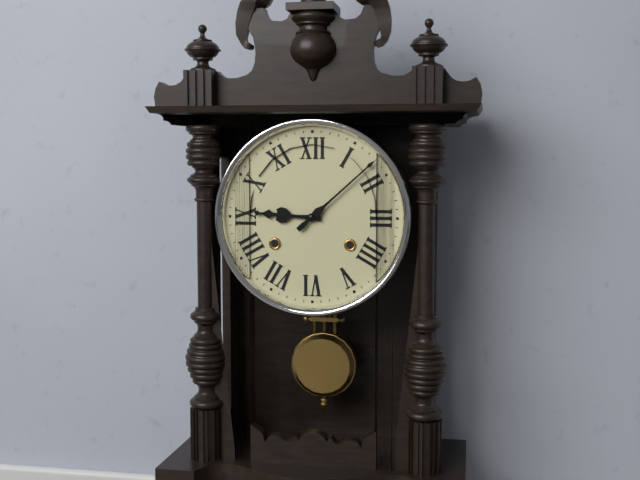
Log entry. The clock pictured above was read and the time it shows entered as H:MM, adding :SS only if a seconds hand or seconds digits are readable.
9:08
